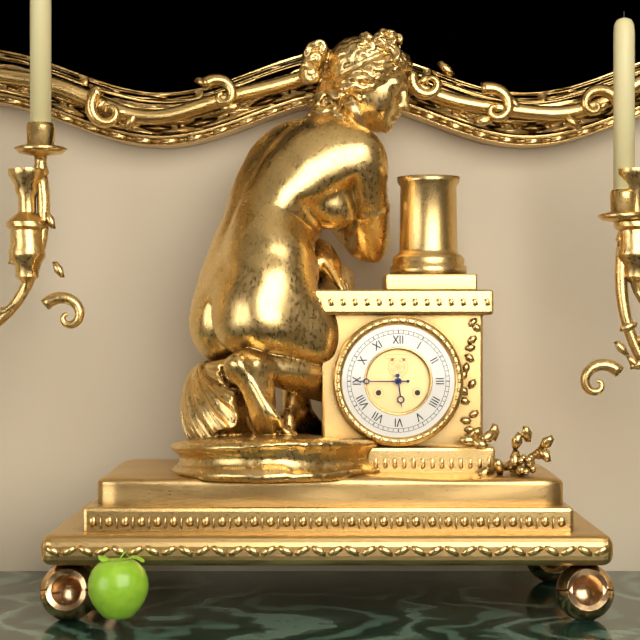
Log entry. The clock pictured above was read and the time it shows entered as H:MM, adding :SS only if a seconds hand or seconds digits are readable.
5:45
